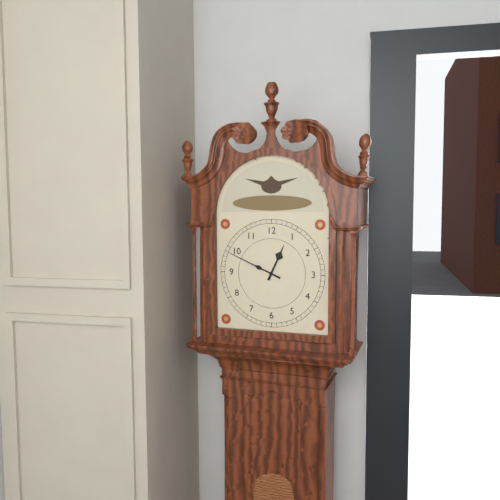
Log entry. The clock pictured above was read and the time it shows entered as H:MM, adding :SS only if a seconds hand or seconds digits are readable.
12:49
